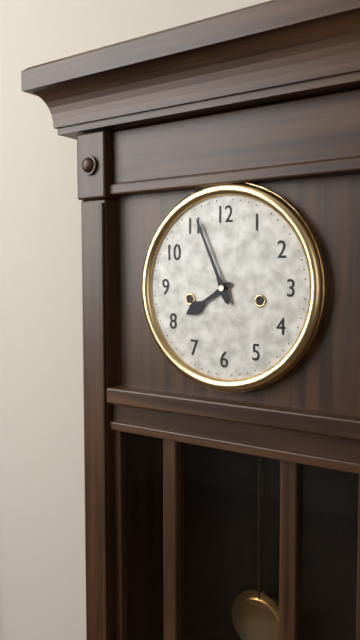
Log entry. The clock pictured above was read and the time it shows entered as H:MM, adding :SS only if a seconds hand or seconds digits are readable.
7:56
